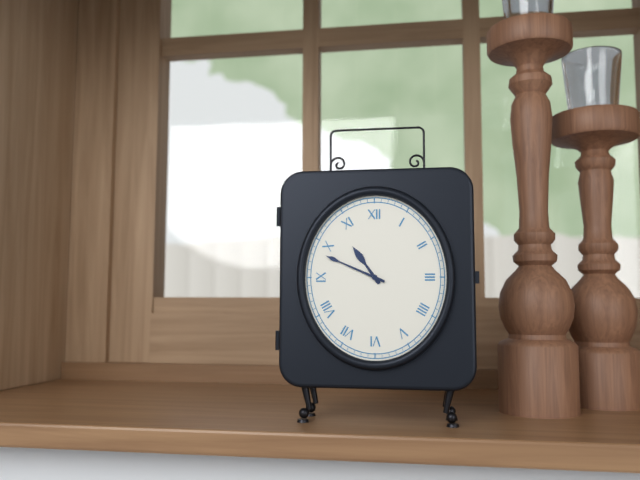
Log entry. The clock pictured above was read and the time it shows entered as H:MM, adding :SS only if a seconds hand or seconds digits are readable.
10:49
